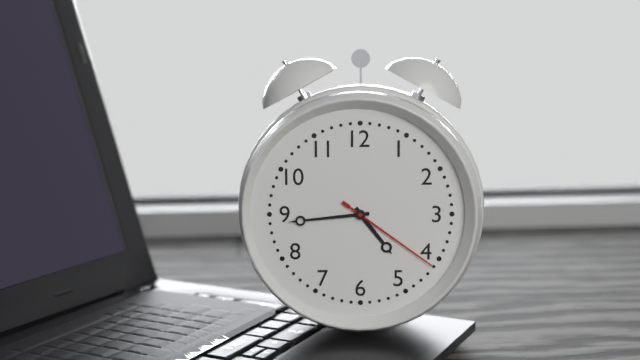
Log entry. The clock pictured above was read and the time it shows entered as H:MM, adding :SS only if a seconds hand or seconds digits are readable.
4:44:21
